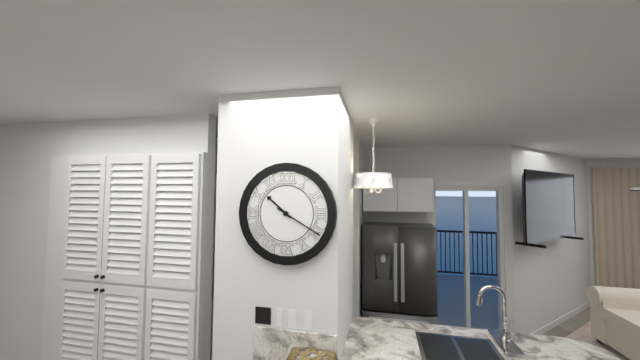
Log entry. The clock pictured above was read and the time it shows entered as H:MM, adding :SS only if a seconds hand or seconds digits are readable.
10:20
